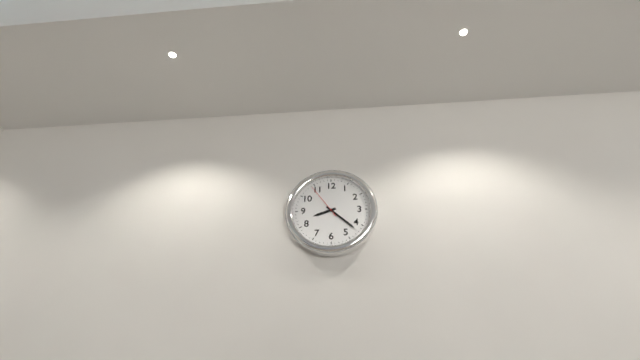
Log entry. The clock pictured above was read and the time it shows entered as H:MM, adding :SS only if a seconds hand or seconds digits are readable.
8:22
